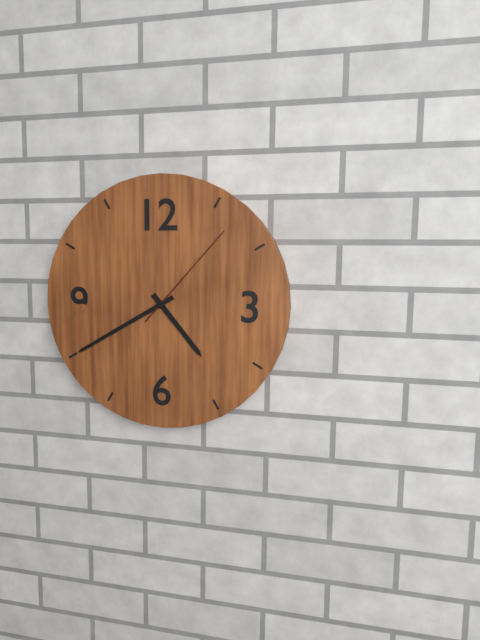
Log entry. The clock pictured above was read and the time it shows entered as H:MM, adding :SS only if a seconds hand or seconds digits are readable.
4:40:07
